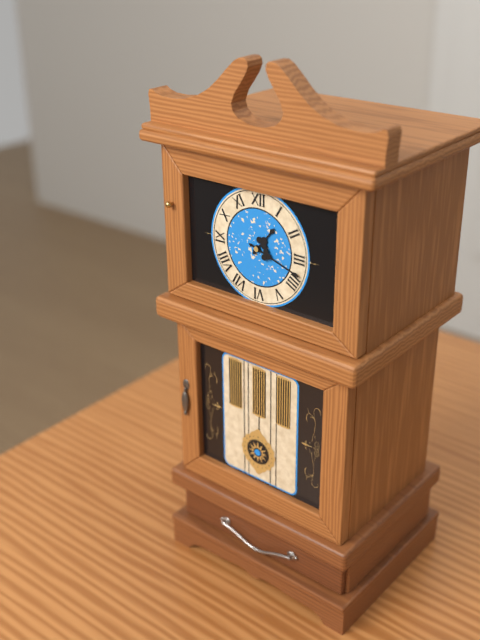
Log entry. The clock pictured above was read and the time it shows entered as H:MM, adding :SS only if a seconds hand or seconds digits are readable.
1:18
